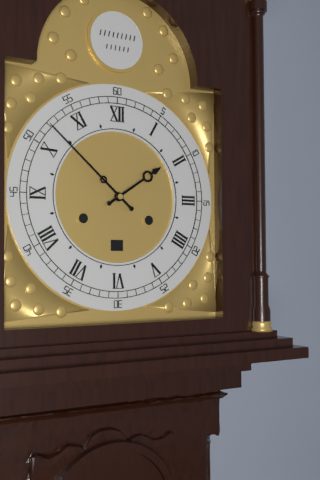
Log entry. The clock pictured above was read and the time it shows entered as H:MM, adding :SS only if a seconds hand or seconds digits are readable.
1:52
